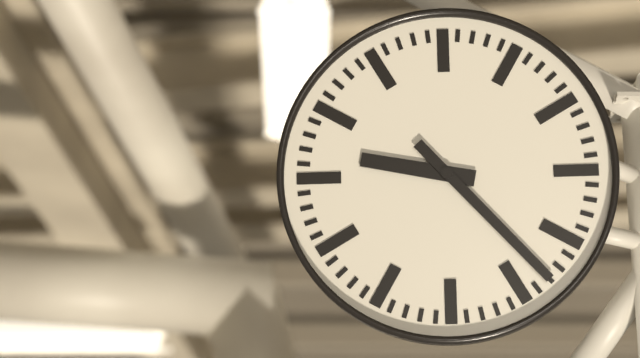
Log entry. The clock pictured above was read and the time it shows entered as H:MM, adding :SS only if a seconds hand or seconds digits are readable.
9:23
